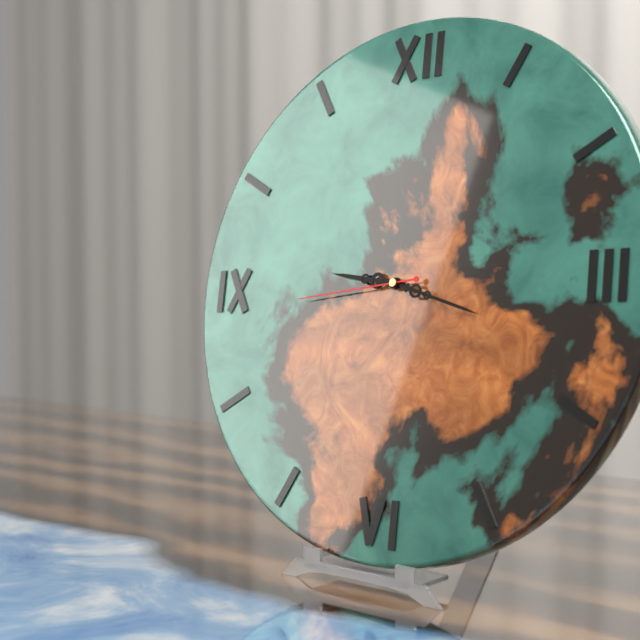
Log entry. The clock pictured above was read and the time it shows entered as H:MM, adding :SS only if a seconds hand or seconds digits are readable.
9:18:44
